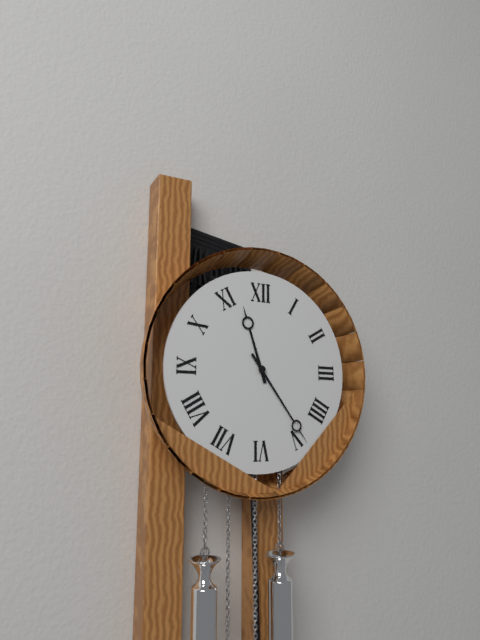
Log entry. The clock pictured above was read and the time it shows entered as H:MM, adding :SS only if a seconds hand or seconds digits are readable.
11:24
